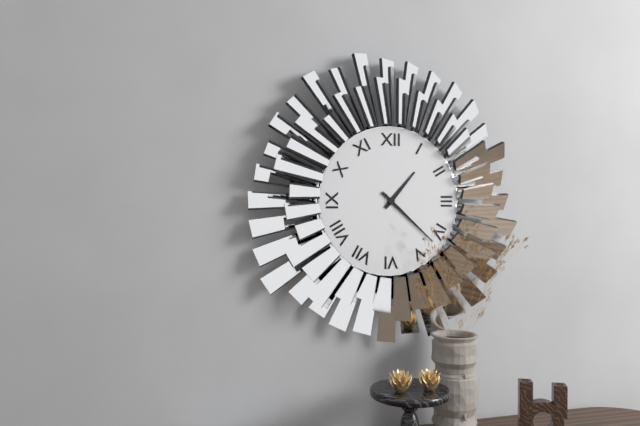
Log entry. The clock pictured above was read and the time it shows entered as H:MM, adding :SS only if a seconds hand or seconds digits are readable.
1:22
